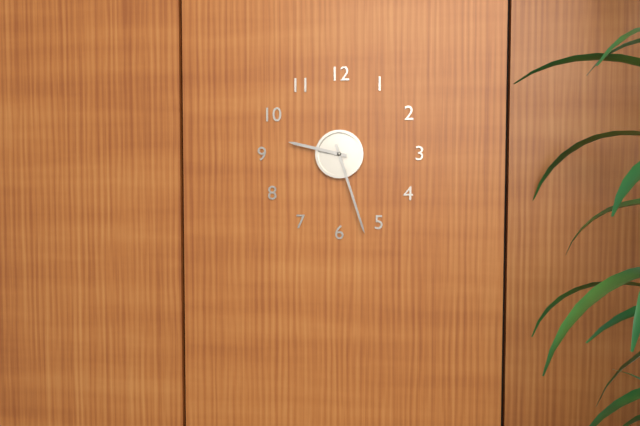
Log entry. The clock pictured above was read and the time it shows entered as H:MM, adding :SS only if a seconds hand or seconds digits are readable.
9:27
